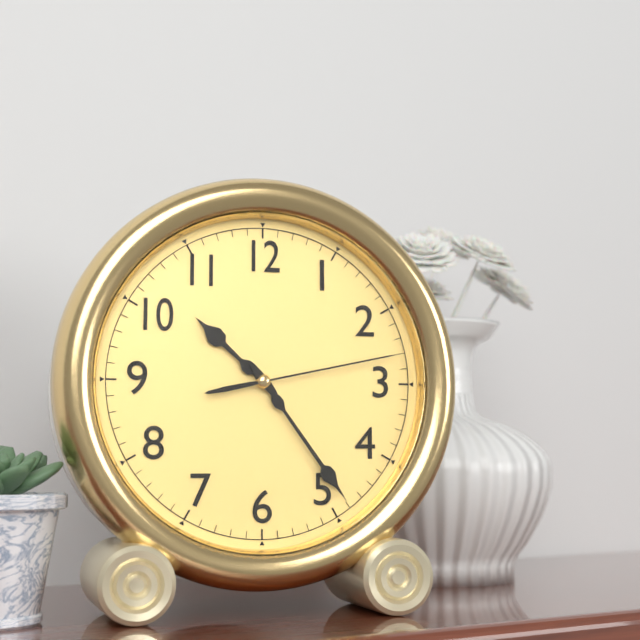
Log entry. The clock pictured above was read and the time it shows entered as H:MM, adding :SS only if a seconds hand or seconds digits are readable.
10:24:13
